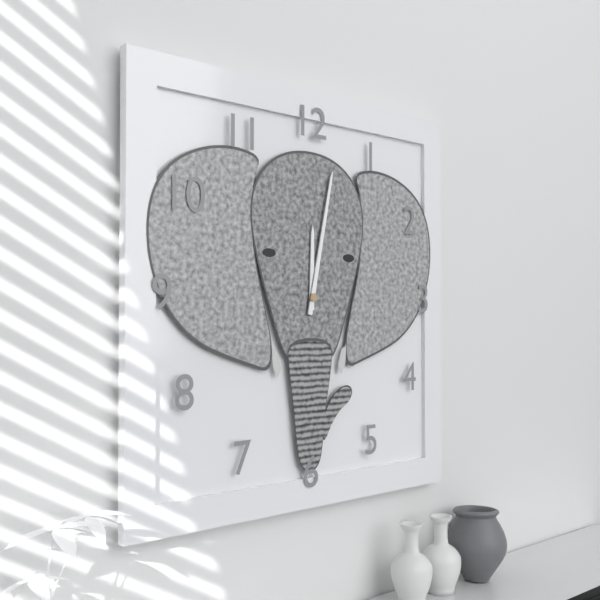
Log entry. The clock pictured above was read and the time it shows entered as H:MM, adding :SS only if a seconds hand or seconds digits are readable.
12:02
